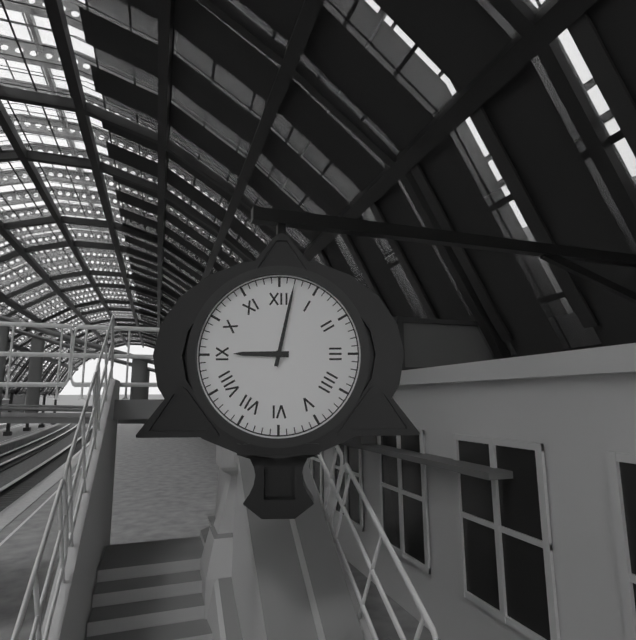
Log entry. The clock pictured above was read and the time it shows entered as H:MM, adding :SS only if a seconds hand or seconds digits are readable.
9:02
